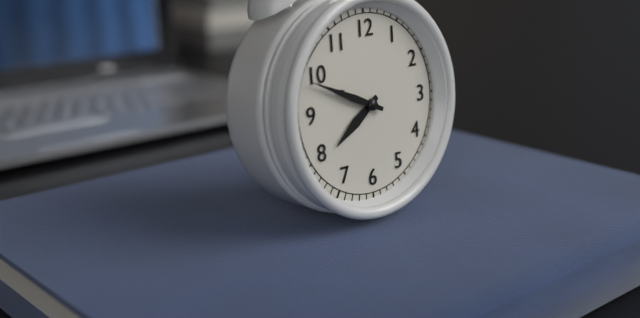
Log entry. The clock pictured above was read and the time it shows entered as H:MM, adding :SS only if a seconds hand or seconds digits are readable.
7:49
